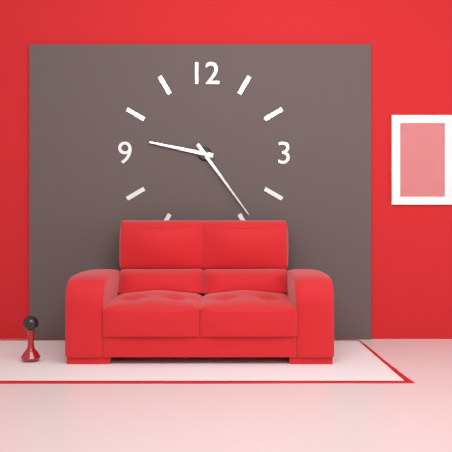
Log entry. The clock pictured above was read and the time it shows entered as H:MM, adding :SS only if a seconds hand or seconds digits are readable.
9:24
